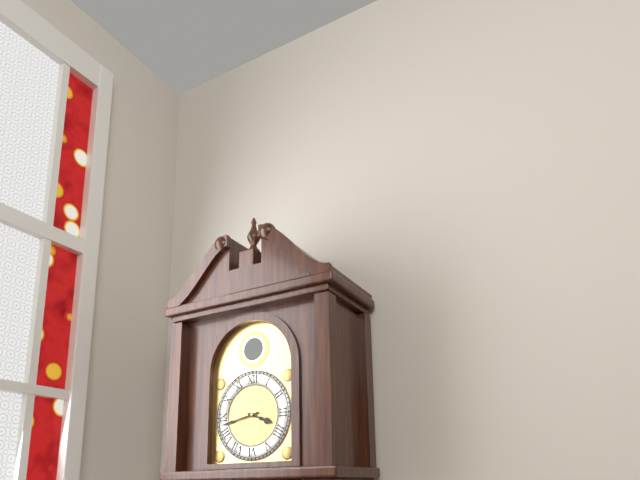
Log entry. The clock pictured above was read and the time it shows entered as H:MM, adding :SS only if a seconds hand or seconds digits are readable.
3:43
